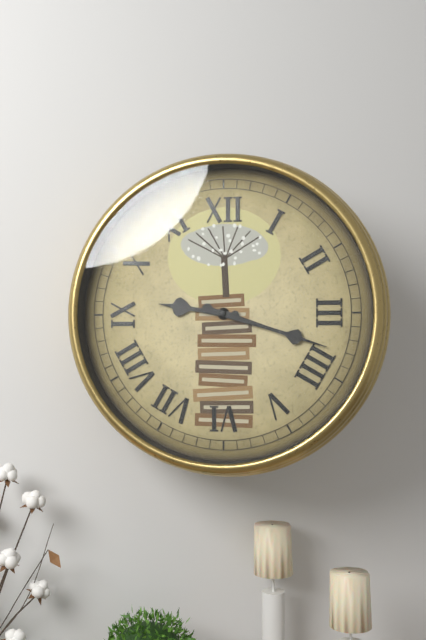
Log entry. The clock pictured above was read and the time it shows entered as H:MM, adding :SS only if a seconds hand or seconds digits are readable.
9:18
